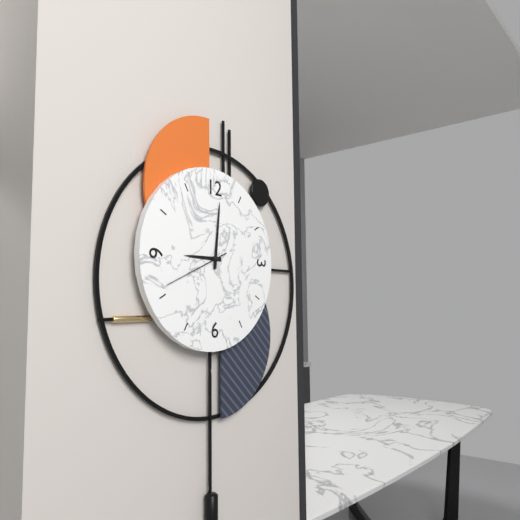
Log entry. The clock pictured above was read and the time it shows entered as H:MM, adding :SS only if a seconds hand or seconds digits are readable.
9:01:41
